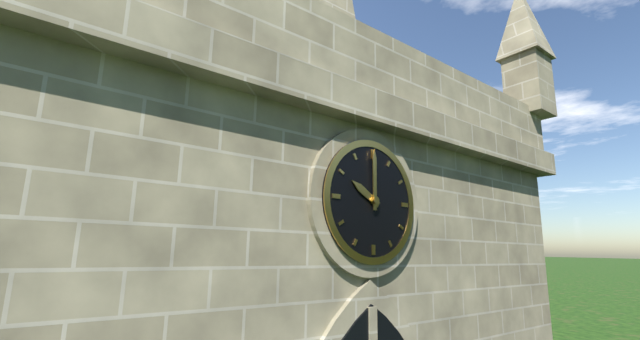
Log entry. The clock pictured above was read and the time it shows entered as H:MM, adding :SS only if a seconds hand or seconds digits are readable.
10:00
